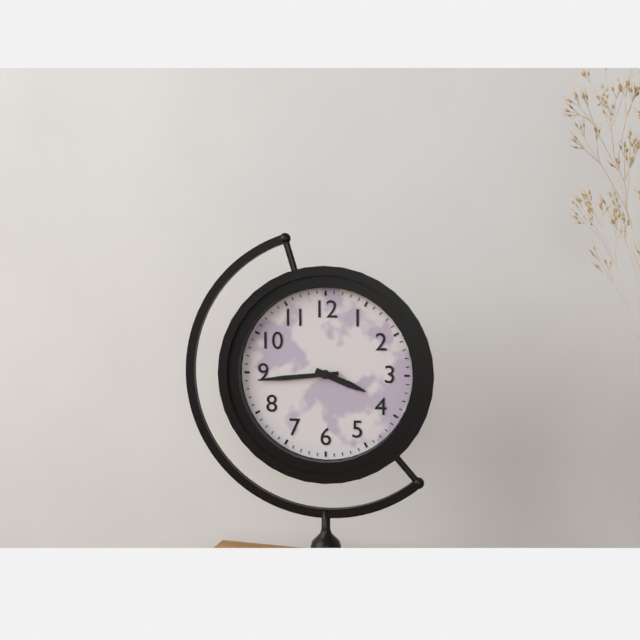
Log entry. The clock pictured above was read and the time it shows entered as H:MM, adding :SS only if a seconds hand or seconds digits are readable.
3:44
